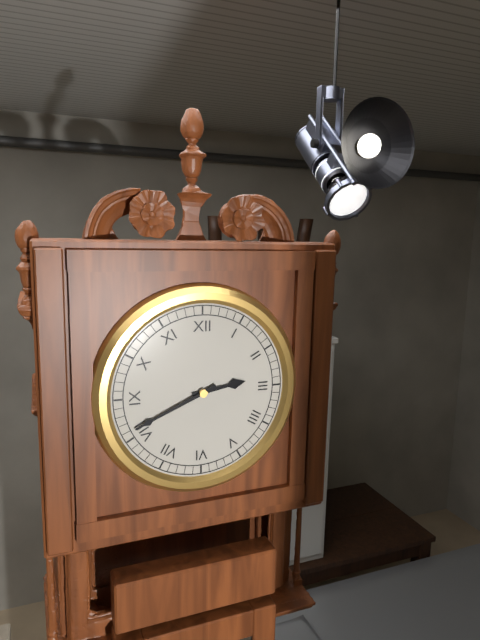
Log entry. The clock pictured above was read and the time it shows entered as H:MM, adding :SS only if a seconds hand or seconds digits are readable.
2:41
